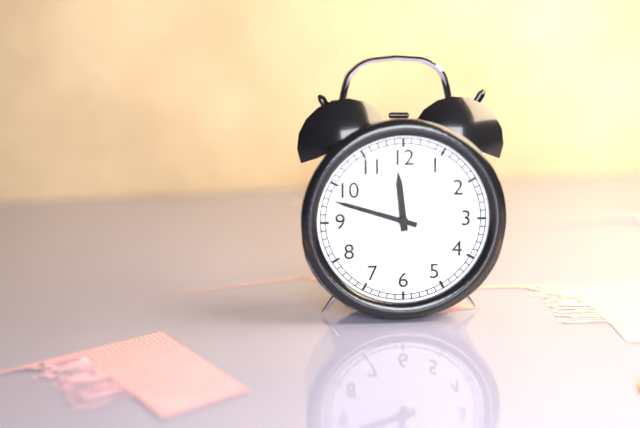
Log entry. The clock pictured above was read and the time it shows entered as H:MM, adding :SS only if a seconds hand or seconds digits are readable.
11:48
